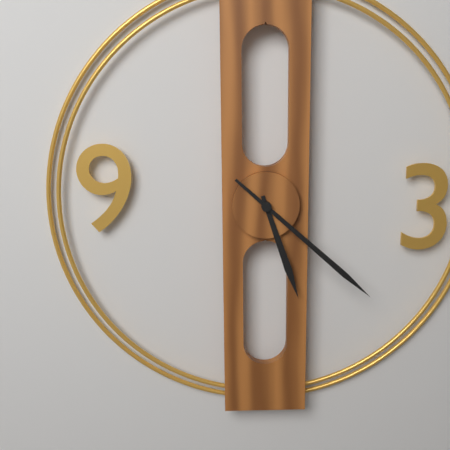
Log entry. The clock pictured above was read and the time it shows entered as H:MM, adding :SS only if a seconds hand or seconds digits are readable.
5:22
